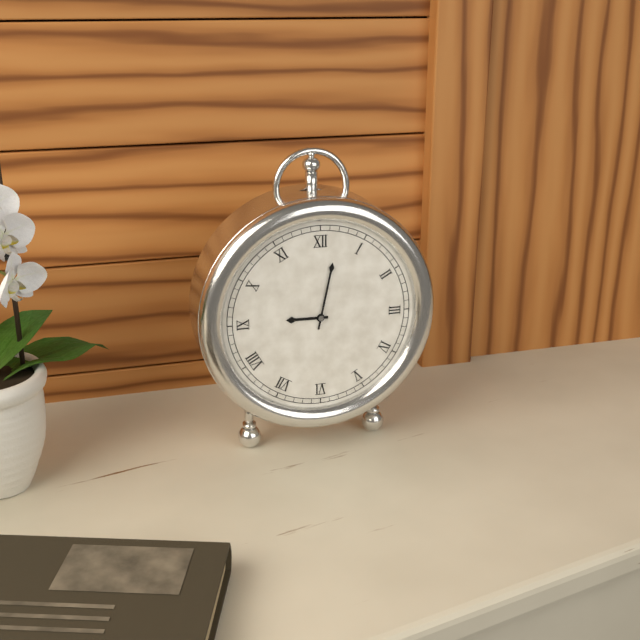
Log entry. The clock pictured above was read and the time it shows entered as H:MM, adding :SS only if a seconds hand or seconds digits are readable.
9:02
